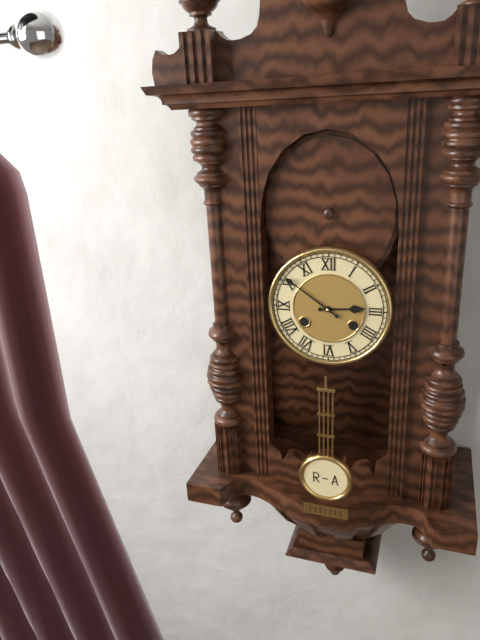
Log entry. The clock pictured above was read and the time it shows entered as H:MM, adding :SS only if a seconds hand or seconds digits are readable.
2:51
